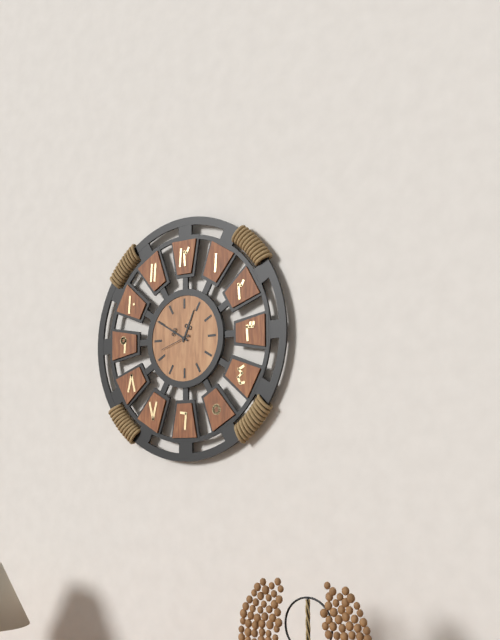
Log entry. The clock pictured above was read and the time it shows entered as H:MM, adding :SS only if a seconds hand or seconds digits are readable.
12:50
